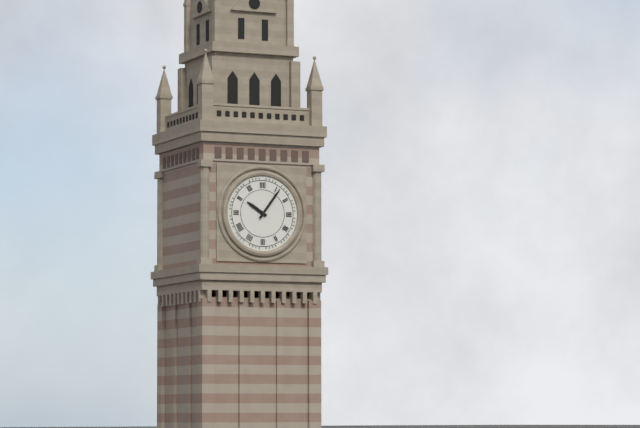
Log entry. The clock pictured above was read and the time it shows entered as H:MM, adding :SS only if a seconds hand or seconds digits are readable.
10:06
